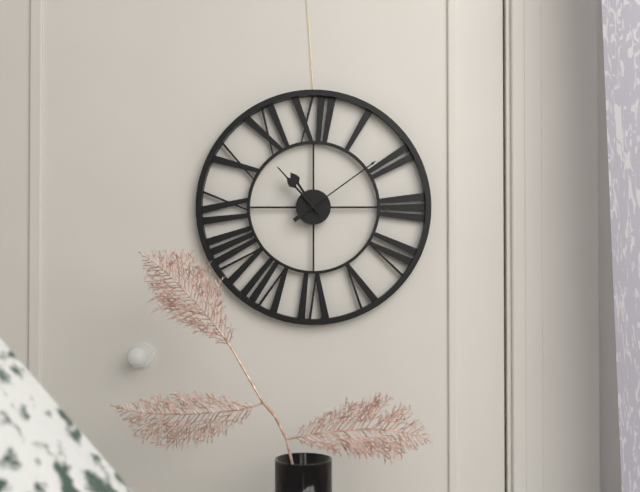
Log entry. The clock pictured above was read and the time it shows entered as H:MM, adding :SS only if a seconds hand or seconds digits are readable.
10:53:09
